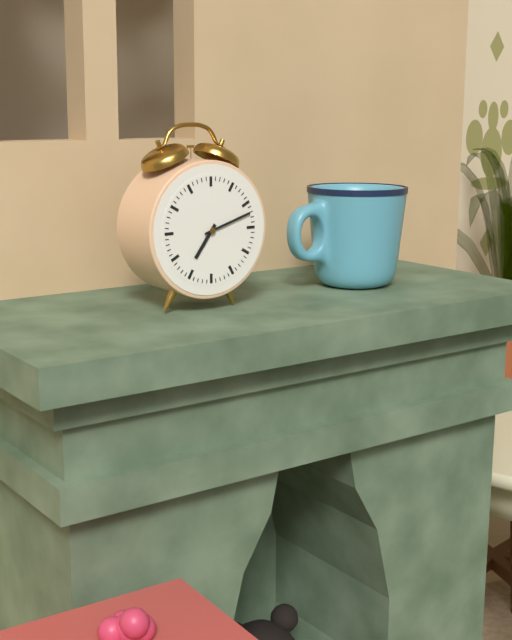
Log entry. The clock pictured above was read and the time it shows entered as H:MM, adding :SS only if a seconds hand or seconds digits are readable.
7:12
